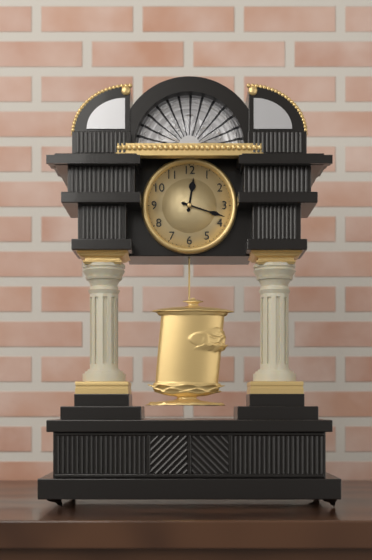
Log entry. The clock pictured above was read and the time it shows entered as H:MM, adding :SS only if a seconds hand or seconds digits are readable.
12:18
